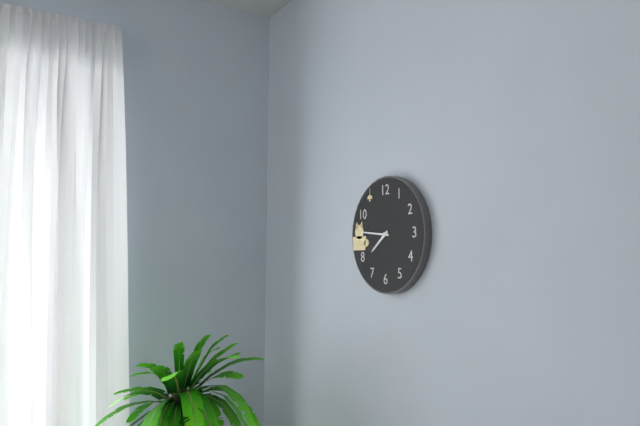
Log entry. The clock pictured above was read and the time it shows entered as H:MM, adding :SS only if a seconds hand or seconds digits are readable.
7:46
